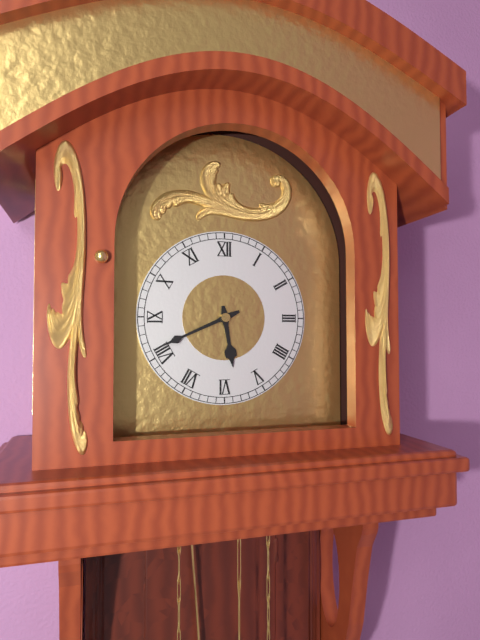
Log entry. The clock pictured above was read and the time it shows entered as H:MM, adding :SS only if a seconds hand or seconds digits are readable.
5:41
